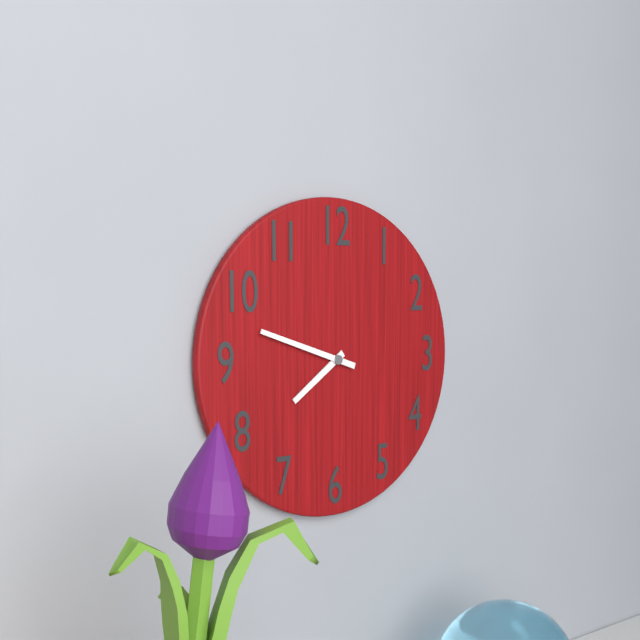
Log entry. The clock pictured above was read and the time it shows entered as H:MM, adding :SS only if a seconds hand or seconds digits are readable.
7:48
